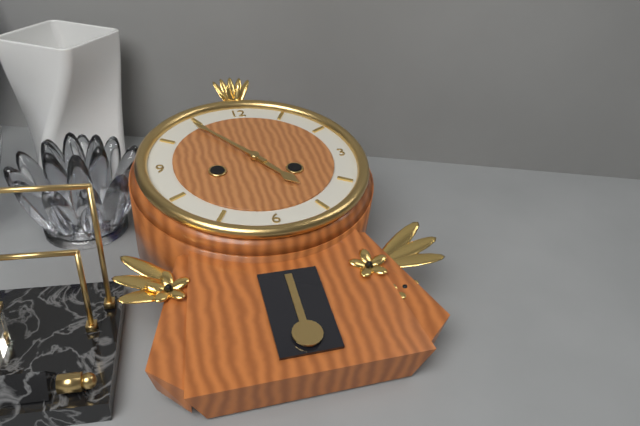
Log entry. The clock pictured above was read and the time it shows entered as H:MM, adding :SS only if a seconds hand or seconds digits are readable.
4:54
